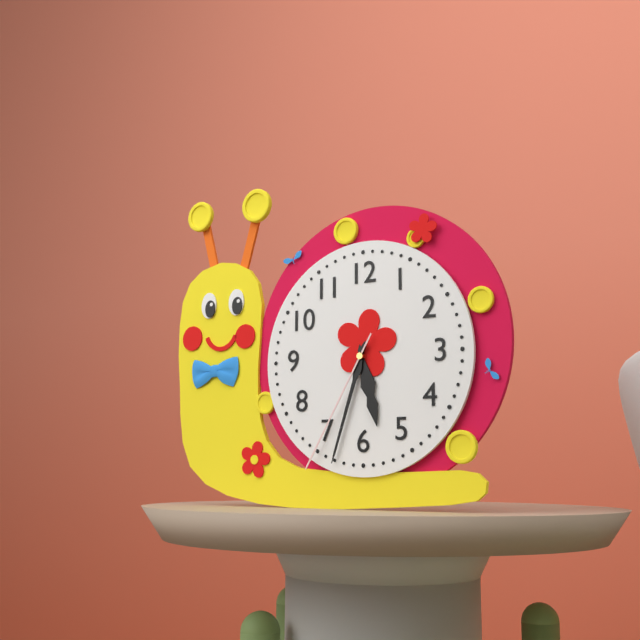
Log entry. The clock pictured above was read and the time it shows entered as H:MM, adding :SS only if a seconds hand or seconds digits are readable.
5:33:35
